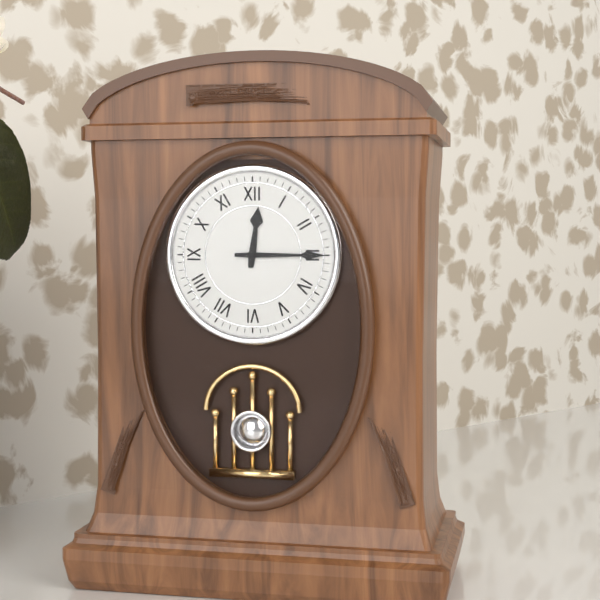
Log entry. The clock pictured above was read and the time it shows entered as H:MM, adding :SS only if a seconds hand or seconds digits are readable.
12:15
